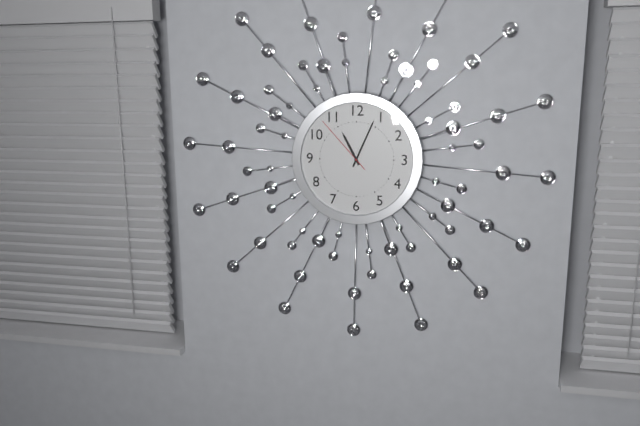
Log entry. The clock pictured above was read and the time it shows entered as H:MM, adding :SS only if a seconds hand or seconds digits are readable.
11:04:53
